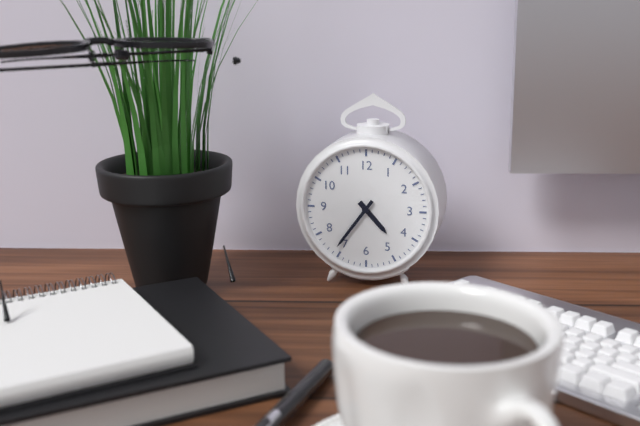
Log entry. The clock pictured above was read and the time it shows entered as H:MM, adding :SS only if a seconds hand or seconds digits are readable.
4:36
